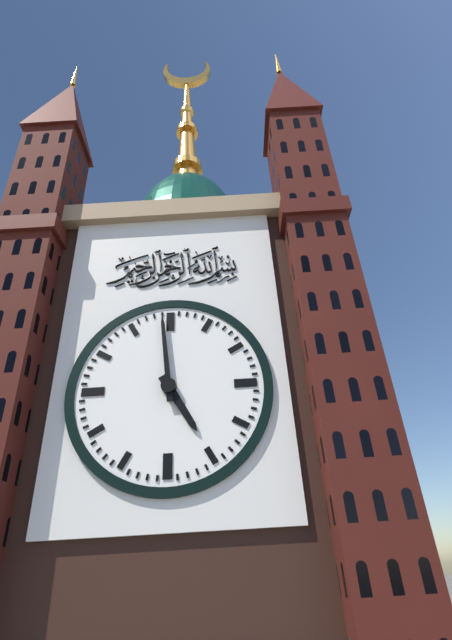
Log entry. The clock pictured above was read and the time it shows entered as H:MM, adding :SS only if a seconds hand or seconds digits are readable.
4:59
